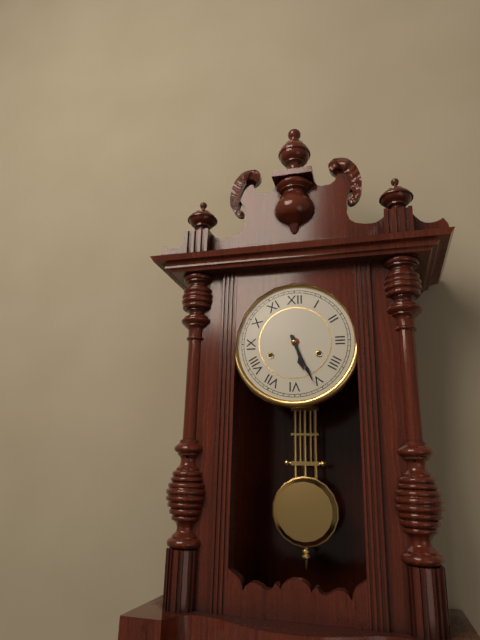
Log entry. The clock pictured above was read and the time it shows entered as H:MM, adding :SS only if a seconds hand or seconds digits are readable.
5:26
